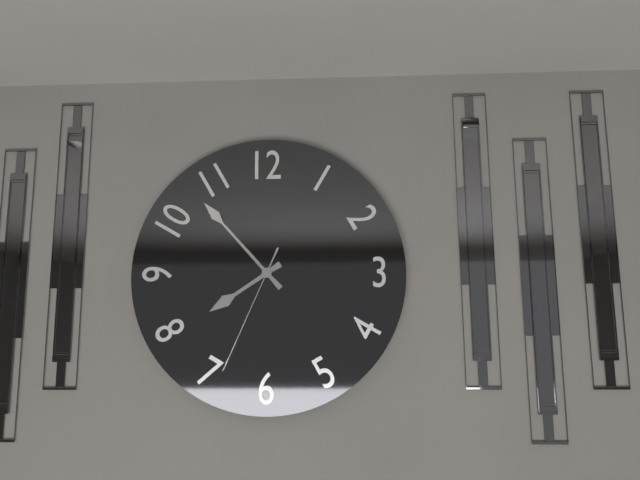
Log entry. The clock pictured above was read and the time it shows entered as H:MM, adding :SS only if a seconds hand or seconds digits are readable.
7:53:34
